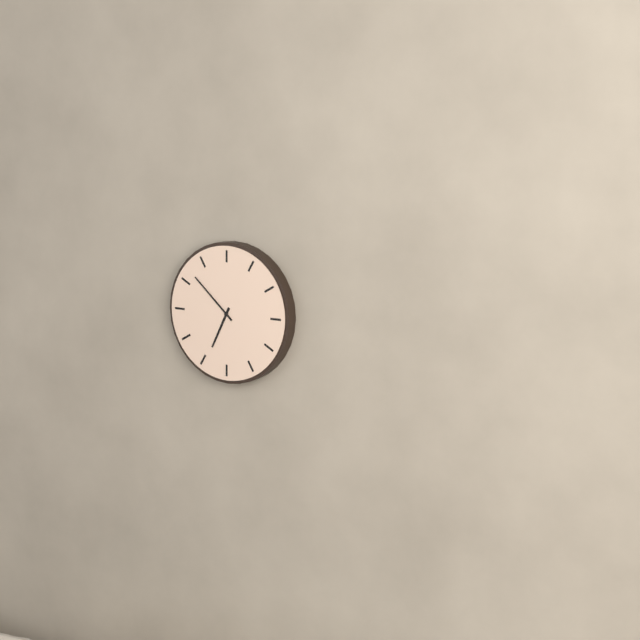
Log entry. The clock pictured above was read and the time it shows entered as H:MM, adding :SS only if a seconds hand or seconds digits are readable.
6:52
